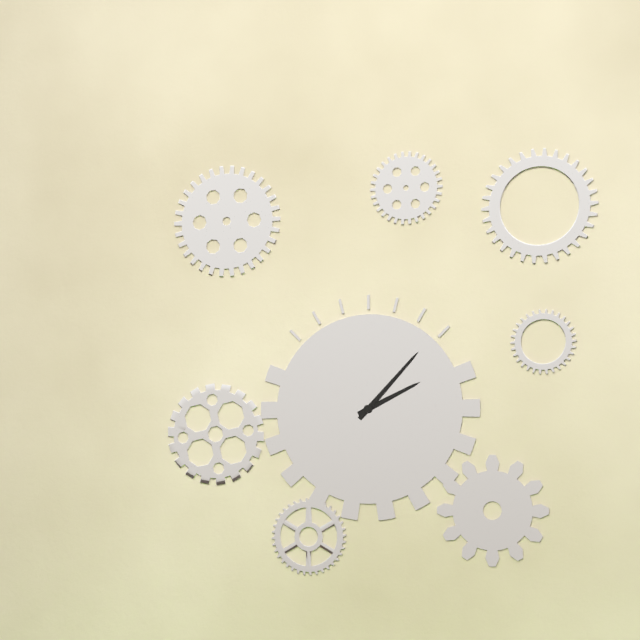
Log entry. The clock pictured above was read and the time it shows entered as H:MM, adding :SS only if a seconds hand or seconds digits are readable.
2:07
